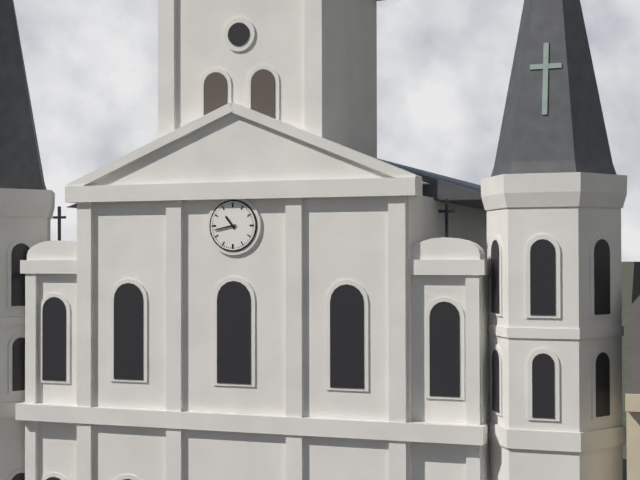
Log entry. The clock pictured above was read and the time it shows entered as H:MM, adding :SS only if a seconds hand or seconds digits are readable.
10:43
